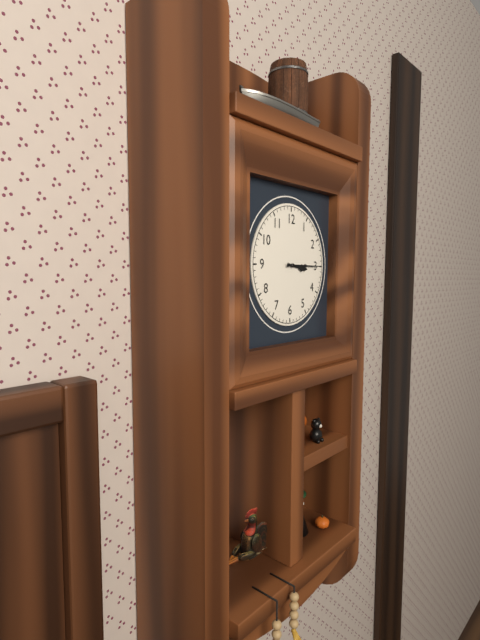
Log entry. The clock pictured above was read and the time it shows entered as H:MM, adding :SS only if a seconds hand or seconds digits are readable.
3:15
